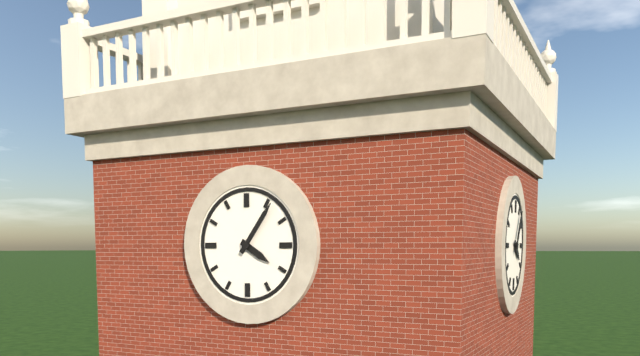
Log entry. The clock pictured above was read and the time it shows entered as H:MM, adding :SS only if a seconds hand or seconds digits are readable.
4:06
